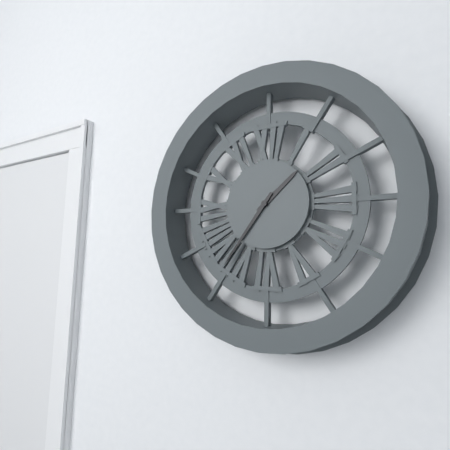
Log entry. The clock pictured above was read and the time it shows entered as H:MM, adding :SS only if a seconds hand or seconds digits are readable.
1:36
